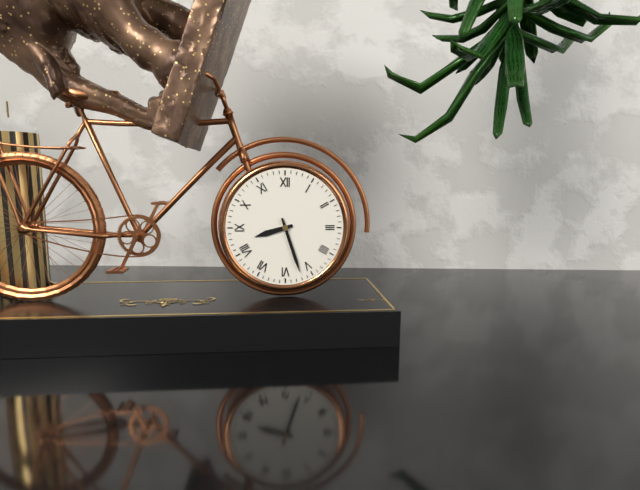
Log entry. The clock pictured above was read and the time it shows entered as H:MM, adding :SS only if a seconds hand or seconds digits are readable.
8:27
